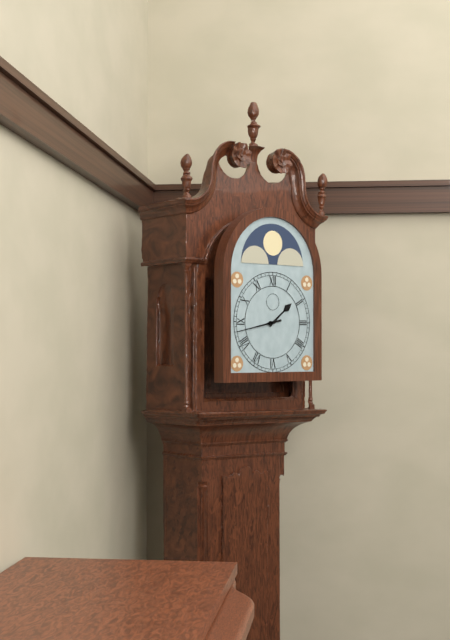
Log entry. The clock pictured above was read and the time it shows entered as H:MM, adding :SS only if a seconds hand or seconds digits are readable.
1:43
